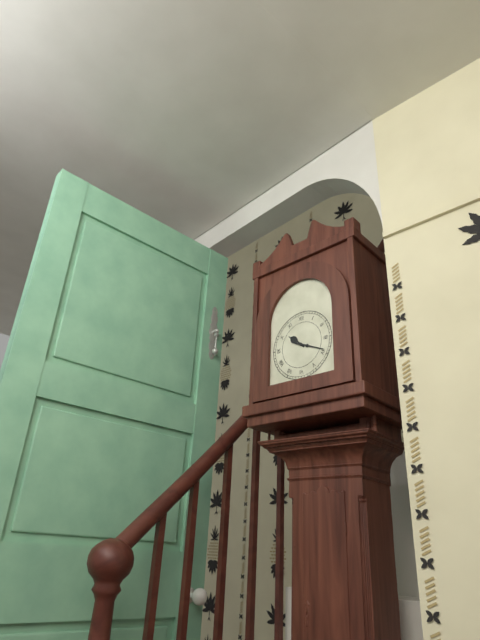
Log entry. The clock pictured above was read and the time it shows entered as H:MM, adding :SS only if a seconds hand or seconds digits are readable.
10:19
